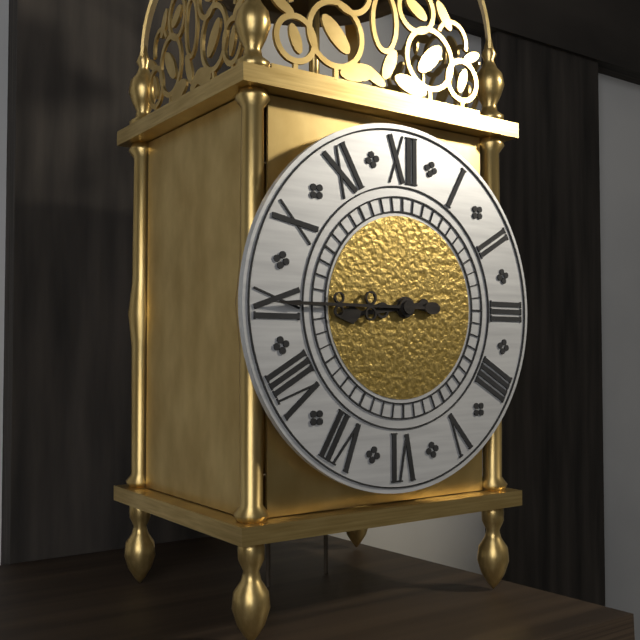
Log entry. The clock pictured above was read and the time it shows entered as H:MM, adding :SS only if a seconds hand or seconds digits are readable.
8:45
